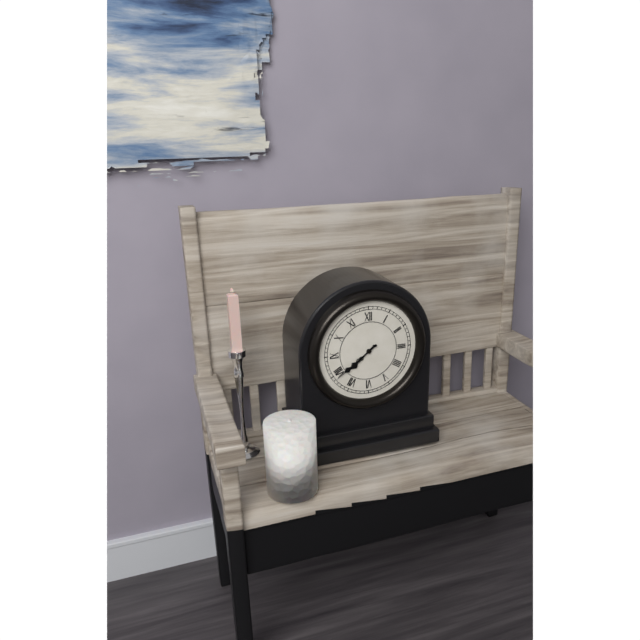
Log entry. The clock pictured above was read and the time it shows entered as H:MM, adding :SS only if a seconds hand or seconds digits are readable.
7:39
